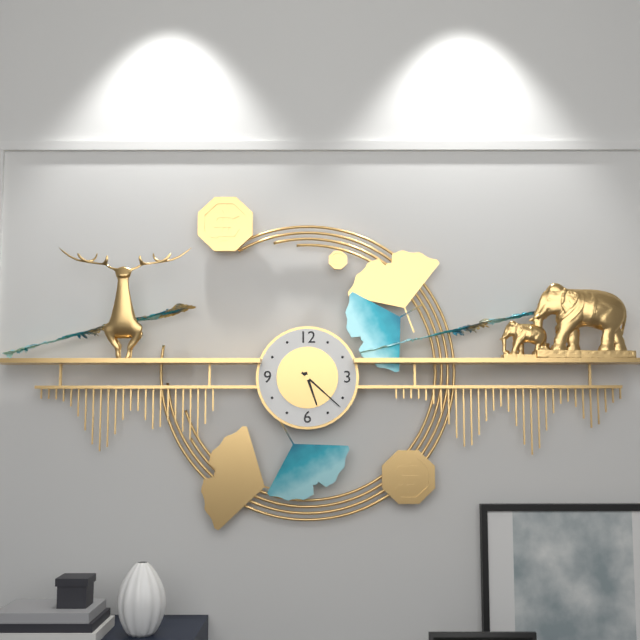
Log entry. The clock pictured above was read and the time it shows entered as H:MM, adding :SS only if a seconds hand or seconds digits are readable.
5:22
